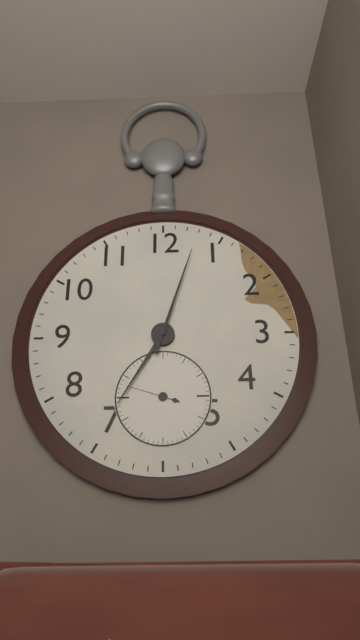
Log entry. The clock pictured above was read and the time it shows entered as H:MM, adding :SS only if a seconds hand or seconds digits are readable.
7:03
